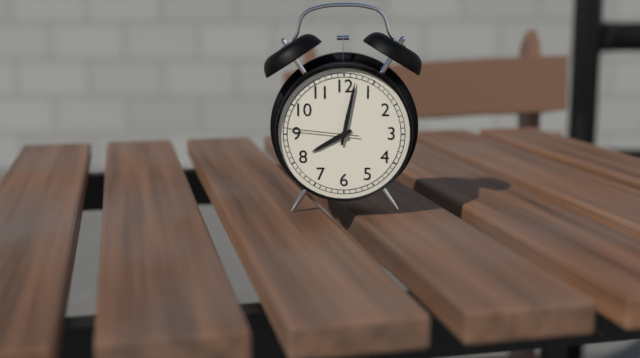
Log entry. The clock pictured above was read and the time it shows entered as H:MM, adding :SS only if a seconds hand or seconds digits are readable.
8:02:46
